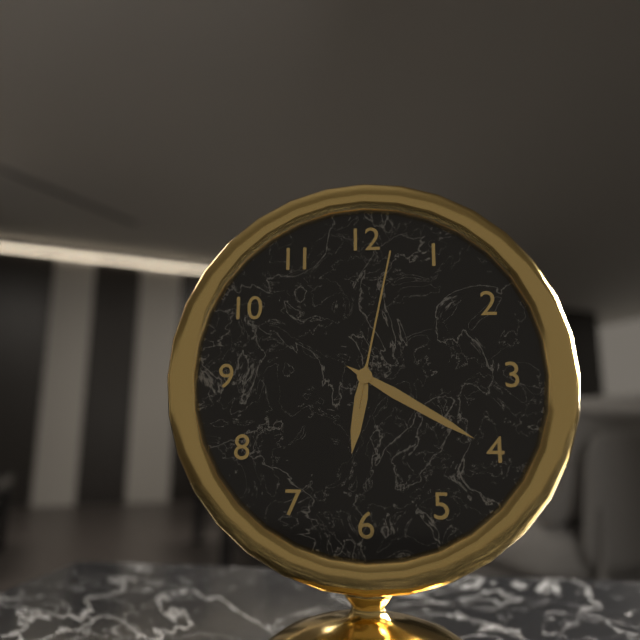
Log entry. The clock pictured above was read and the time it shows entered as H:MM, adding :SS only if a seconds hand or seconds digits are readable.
6:20:02
